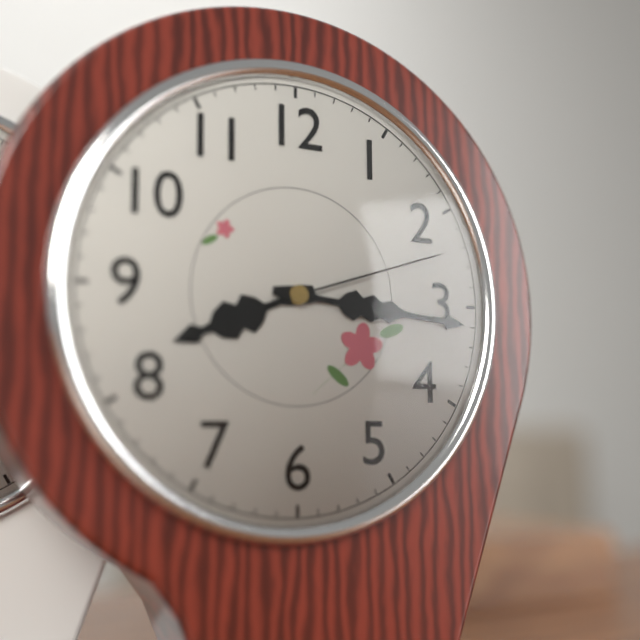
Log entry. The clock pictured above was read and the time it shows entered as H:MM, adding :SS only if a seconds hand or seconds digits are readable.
8:16:12
